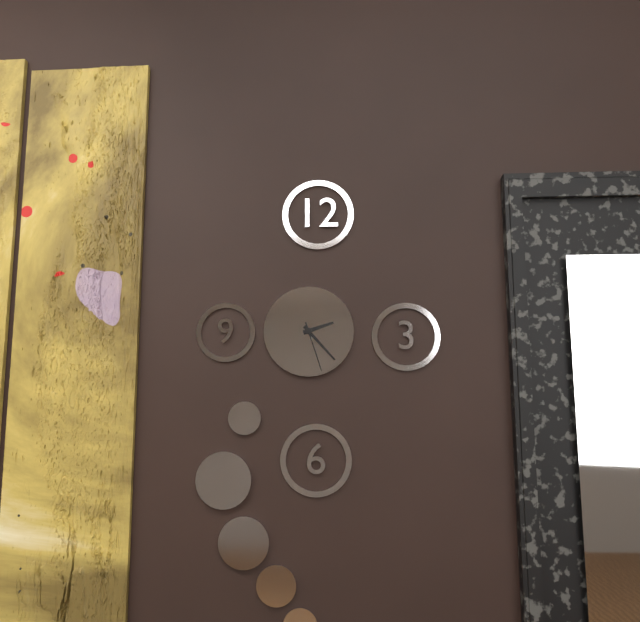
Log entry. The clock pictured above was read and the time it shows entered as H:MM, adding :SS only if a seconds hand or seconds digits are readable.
2:23:27
